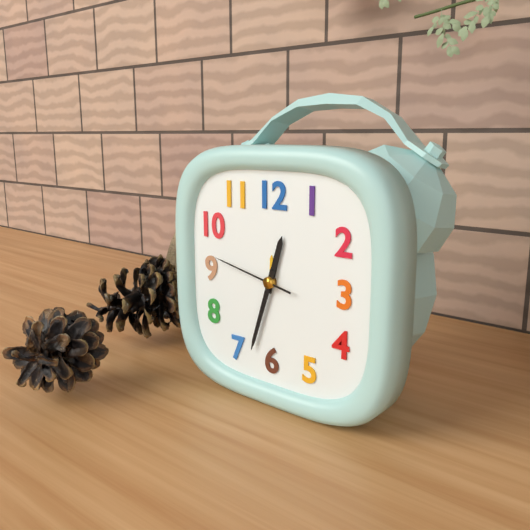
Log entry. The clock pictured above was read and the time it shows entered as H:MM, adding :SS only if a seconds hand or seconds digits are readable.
12:33:47
